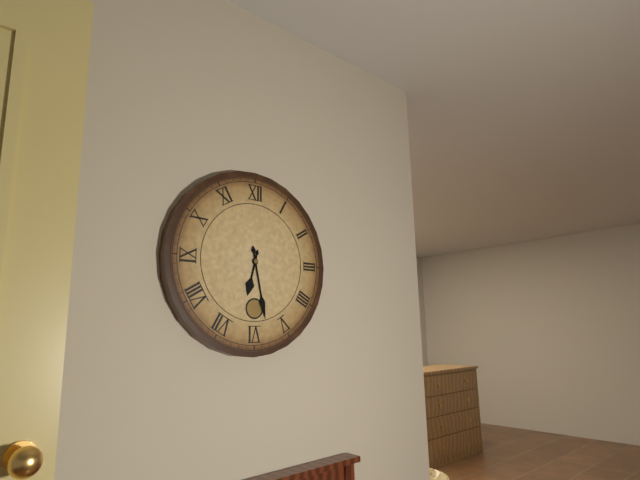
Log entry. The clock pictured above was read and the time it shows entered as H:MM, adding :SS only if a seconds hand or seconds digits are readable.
6:28
